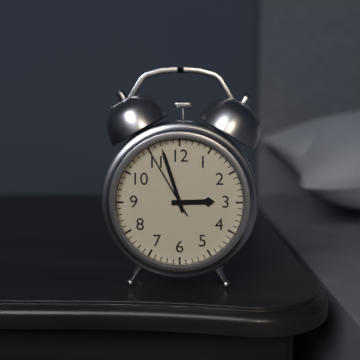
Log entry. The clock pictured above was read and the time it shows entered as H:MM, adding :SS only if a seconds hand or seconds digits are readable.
2:57:55
